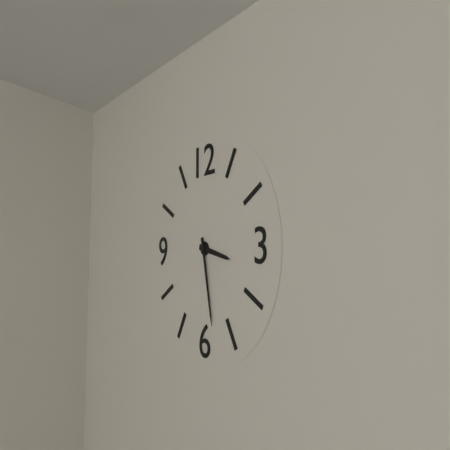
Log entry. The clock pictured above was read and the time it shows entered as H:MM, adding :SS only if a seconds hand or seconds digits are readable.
3:28
